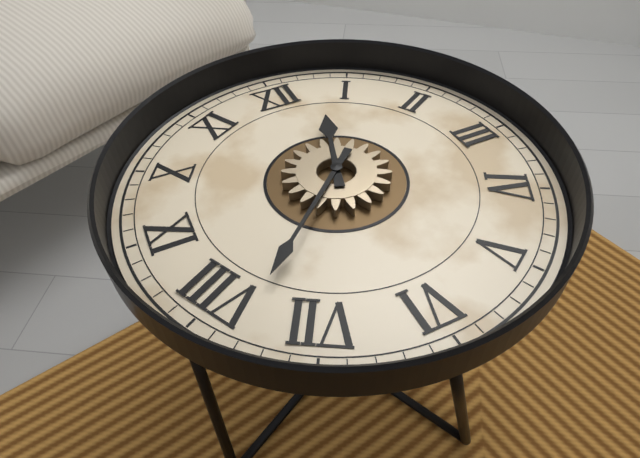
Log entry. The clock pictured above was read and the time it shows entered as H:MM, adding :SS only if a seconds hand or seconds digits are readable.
12:38
